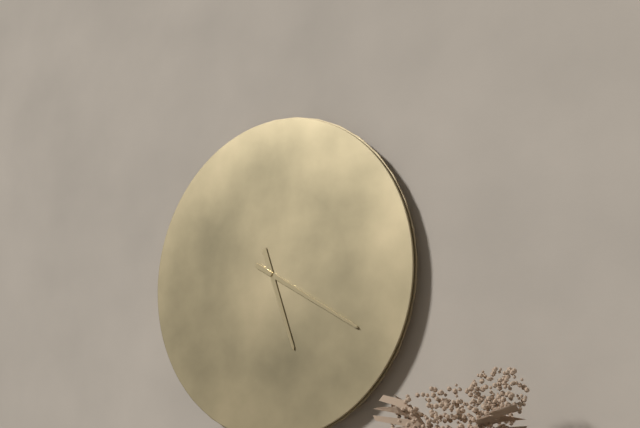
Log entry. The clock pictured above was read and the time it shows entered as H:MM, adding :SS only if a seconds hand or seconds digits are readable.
5:20
